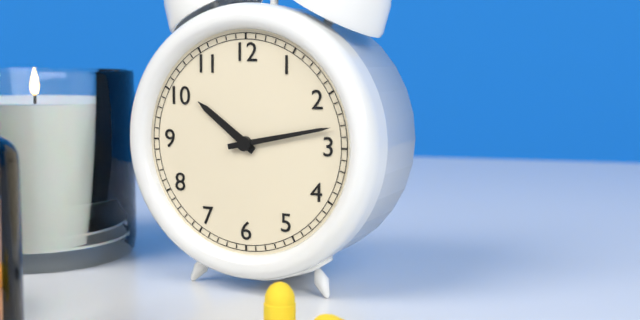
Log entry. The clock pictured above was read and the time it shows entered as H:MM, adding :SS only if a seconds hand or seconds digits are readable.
10:13
